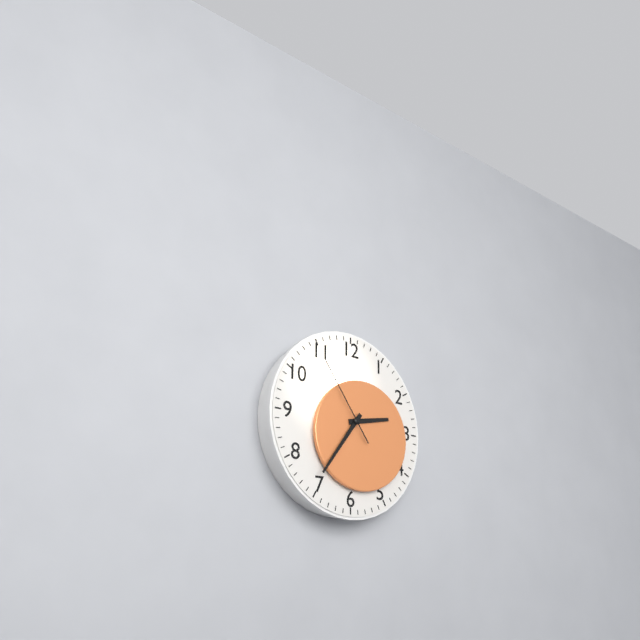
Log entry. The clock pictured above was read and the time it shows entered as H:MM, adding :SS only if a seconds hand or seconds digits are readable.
2:36:54
